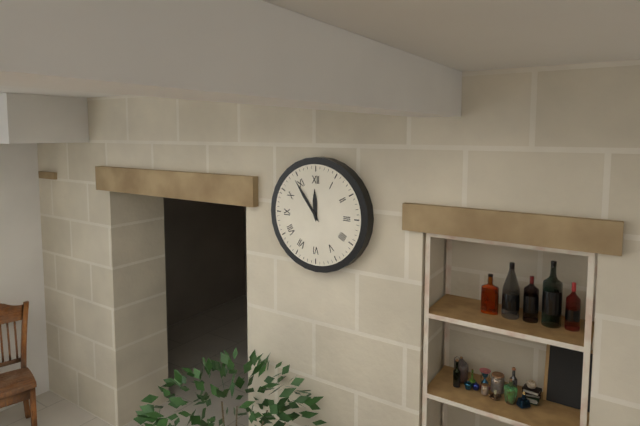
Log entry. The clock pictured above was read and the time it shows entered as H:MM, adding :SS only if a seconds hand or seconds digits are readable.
11:54
